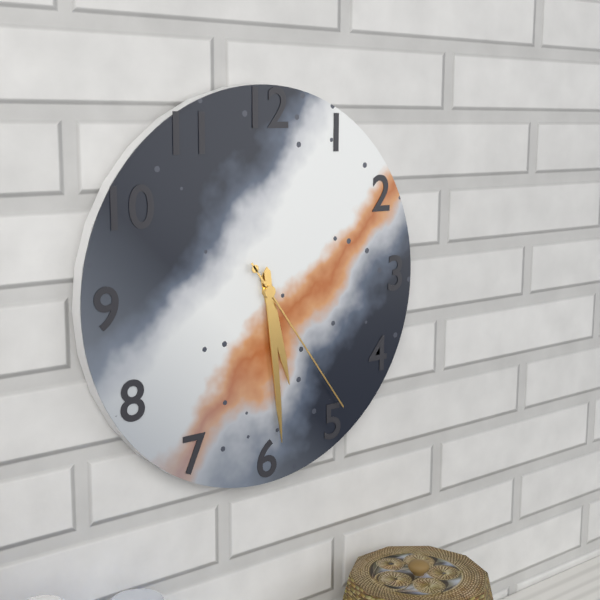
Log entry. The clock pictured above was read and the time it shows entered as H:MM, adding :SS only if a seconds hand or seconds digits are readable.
5:29:24
